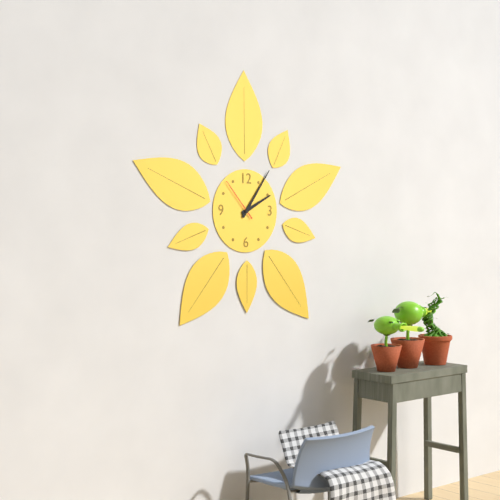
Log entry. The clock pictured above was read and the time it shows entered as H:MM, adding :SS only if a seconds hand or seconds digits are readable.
2:06
